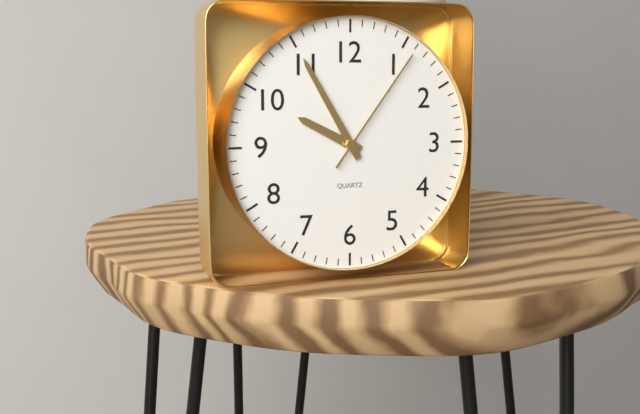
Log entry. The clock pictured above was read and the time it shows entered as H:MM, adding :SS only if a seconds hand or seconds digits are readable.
9:55:06
